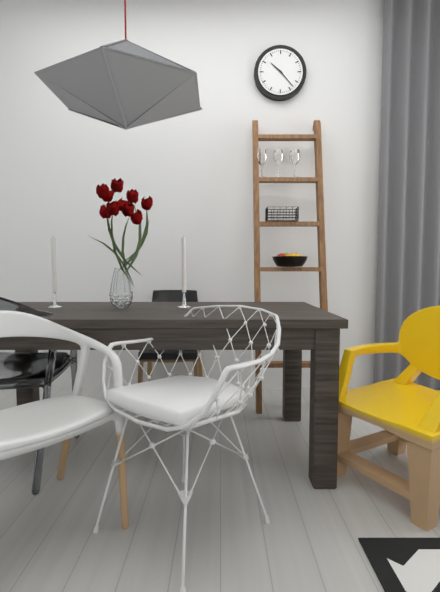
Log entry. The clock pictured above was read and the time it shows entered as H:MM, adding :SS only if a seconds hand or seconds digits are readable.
10:23
